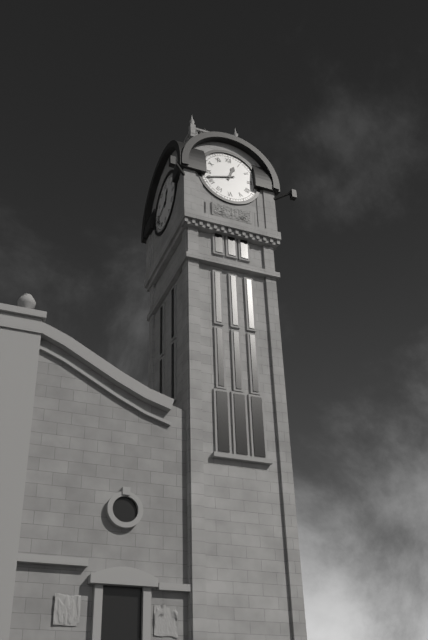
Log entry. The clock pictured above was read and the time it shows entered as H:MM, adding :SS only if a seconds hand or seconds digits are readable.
12:42
